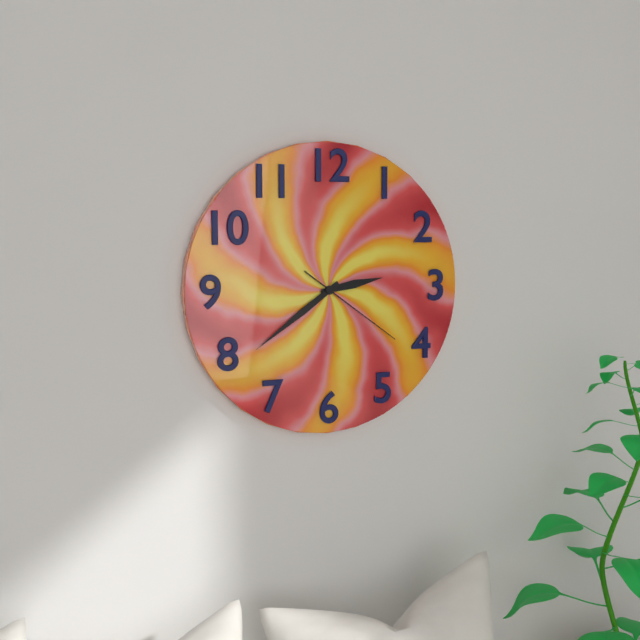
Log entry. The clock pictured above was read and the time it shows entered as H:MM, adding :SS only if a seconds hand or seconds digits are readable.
2:39:21
